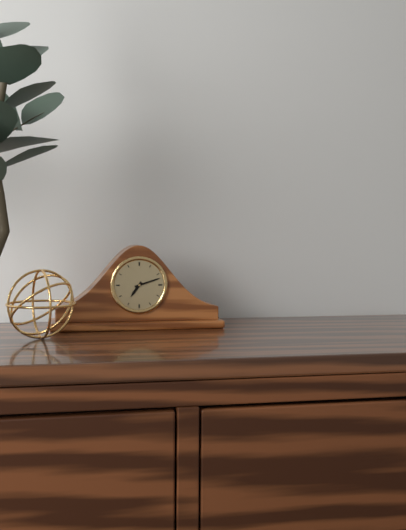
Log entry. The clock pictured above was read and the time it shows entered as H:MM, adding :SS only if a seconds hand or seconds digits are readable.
7:12
